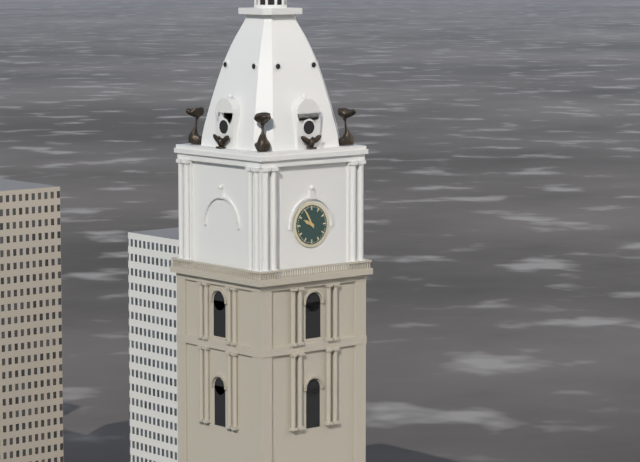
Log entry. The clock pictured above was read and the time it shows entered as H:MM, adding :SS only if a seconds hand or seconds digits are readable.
9:55
